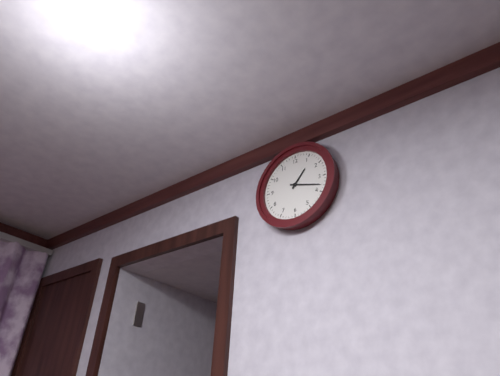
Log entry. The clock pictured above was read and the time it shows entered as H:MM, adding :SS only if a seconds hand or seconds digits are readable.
1:18
